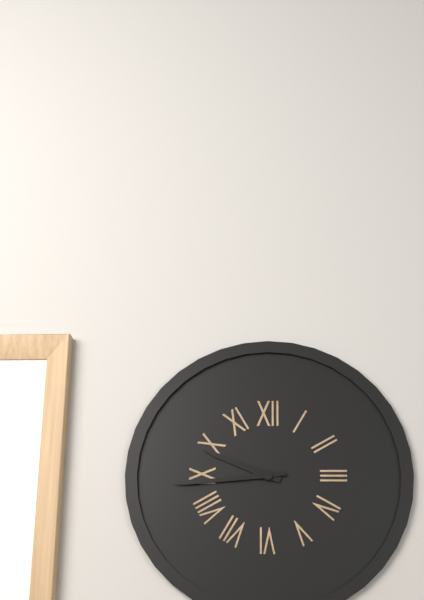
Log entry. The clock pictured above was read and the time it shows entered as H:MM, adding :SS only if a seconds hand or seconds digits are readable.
9:44
